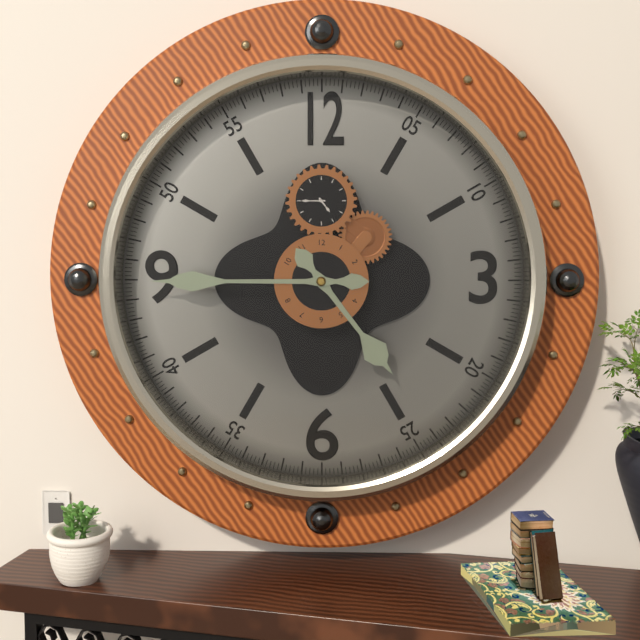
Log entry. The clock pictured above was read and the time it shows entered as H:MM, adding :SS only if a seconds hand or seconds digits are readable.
4:45
